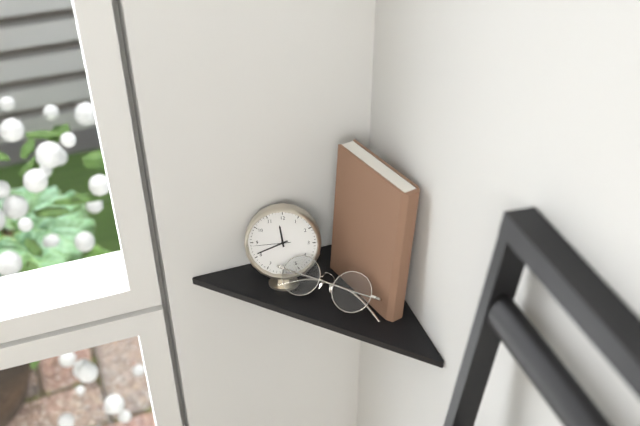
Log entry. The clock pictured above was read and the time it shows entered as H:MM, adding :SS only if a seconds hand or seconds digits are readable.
11:41
